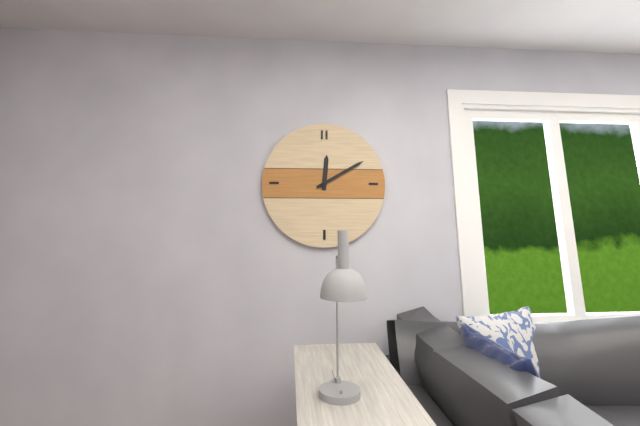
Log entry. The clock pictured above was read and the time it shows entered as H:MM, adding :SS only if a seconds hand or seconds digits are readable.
12:10
